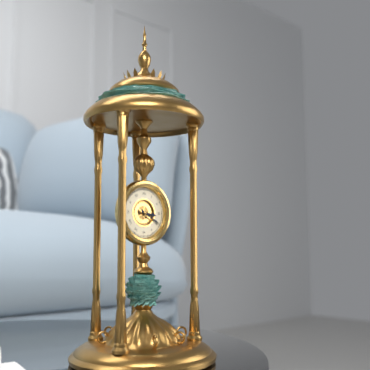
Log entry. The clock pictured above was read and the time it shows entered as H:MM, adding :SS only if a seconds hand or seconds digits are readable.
3:20
